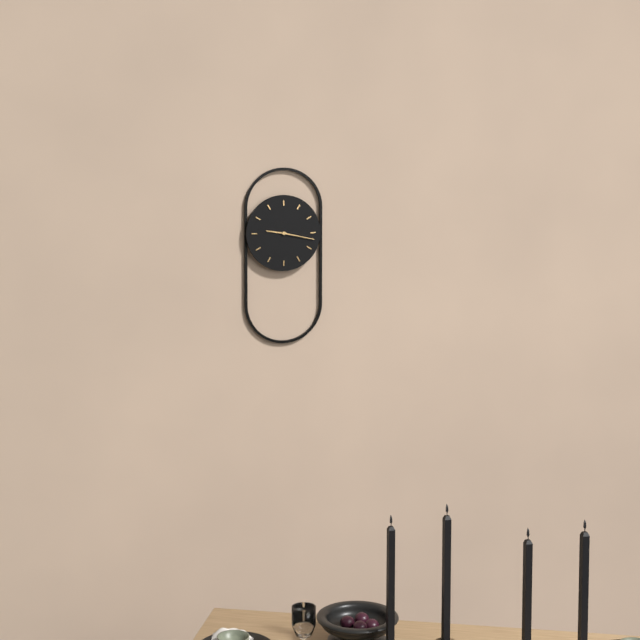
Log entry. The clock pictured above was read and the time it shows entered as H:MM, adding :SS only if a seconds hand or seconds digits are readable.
9:17
